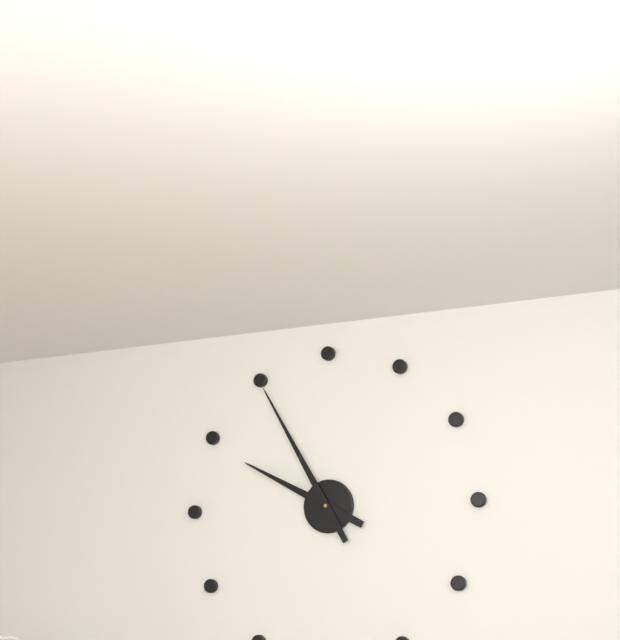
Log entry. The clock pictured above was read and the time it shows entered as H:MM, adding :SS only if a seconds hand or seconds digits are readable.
9:55
